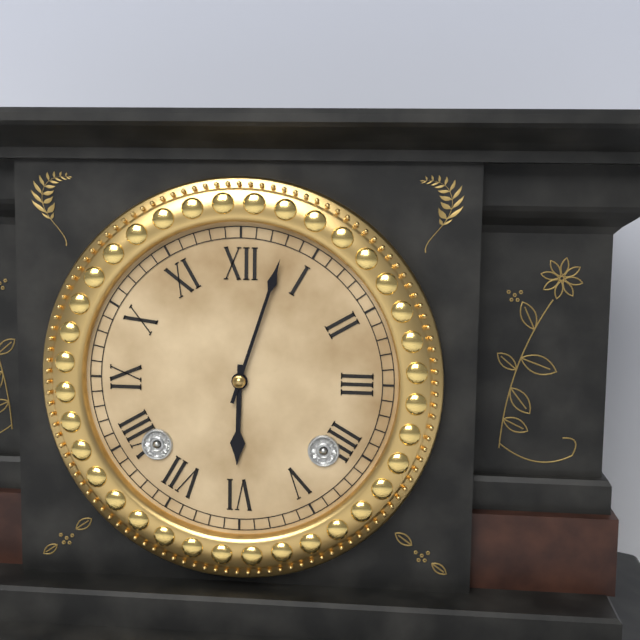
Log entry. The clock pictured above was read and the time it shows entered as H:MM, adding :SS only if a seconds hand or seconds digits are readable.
6:03
